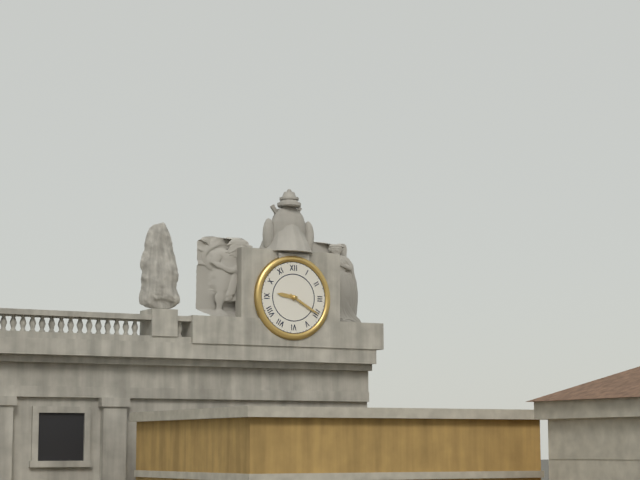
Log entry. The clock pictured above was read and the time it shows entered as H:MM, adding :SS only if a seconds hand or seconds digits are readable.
9:20
